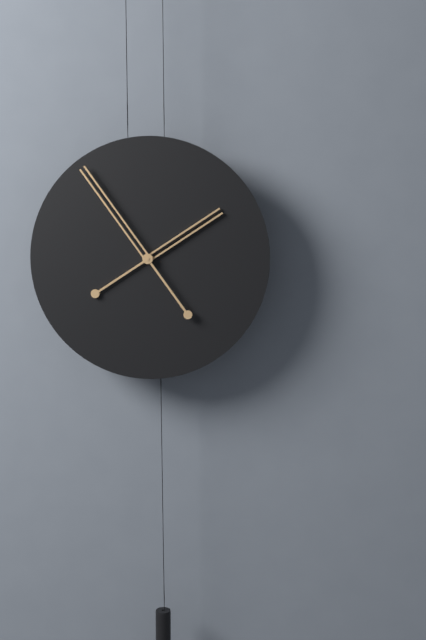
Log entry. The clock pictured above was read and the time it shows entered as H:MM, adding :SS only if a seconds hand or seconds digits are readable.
1:54
